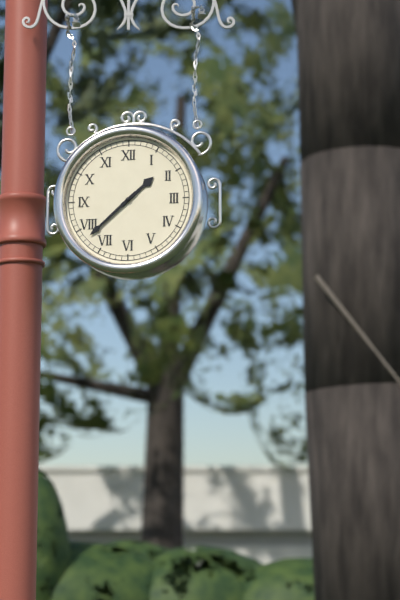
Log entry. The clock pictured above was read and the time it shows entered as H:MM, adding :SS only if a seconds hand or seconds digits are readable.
1:38
